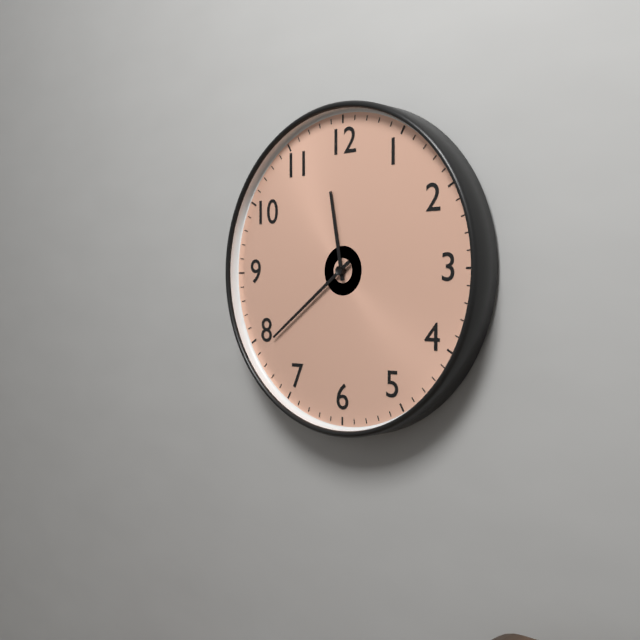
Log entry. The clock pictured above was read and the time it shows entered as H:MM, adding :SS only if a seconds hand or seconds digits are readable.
11:39
